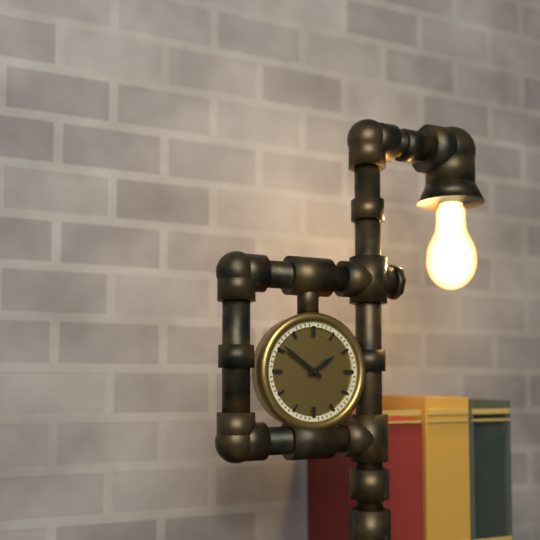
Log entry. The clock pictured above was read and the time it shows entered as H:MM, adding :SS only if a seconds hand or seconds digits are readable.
1:51
